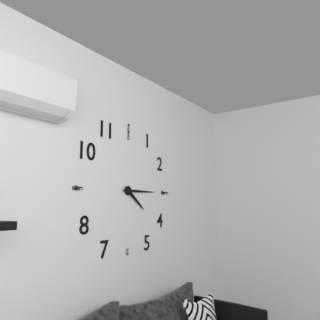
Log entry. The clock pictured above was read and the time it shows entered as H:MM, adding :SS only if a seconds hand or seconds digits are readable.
4:15
